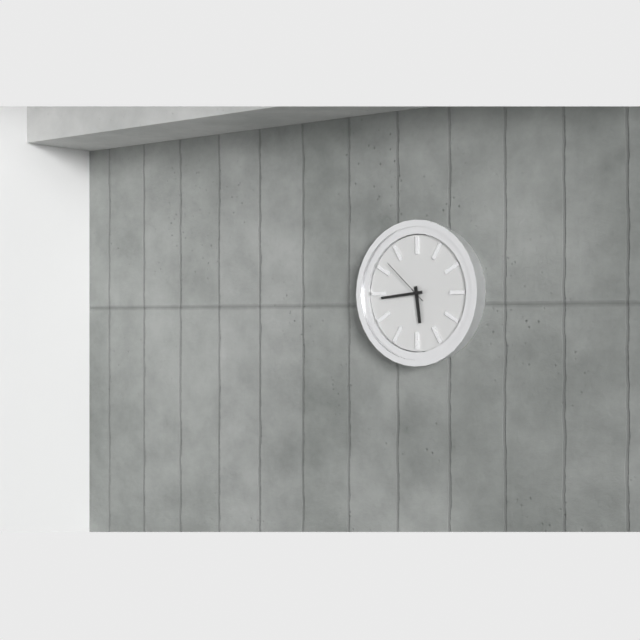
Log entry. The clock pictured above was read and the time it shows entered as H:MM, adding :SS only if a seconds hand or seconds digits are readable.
5:44:52
